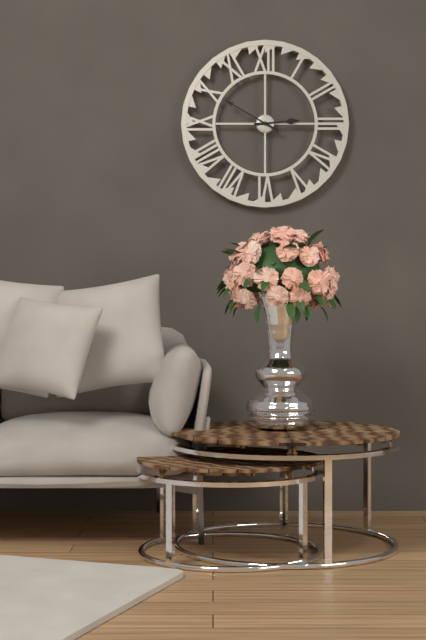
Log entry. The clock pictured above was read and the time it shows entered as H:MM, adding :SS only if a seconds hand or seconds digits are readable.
2:50
